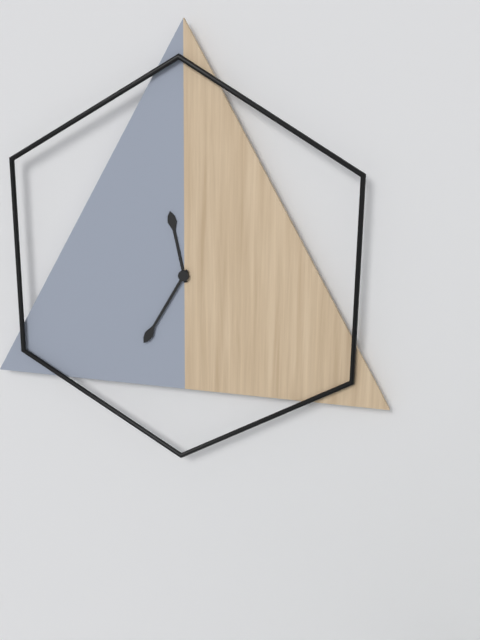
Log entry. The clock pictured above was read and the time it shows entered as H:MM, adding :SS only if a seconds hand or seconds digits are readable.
11:35
